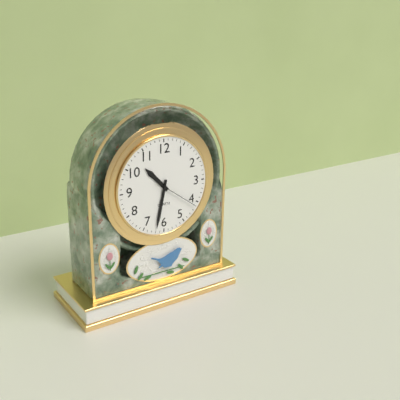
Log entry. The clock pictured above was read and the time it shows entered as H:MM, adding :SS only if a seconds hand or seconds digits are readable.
10:32
